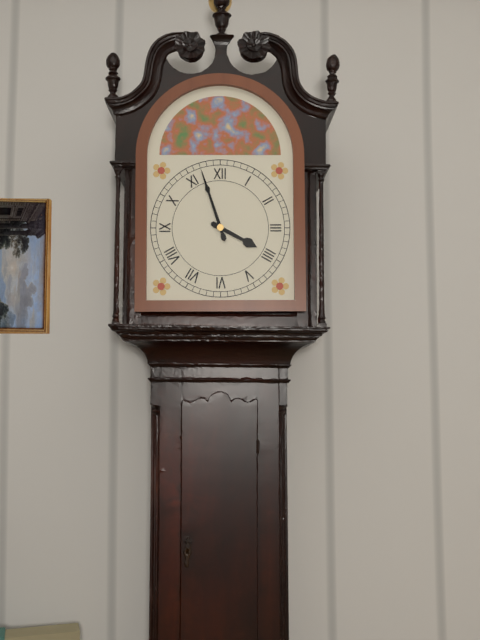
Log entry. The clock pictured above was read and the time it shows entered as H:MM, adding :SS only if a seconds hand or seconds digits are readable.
3:57
